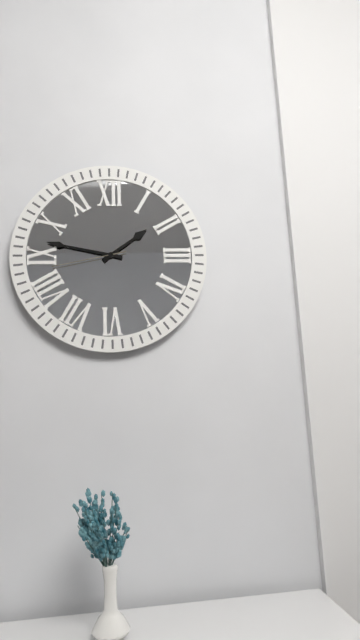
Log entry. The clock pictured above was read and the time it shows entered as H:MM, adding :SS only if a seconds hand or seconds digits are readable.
1:47:43
